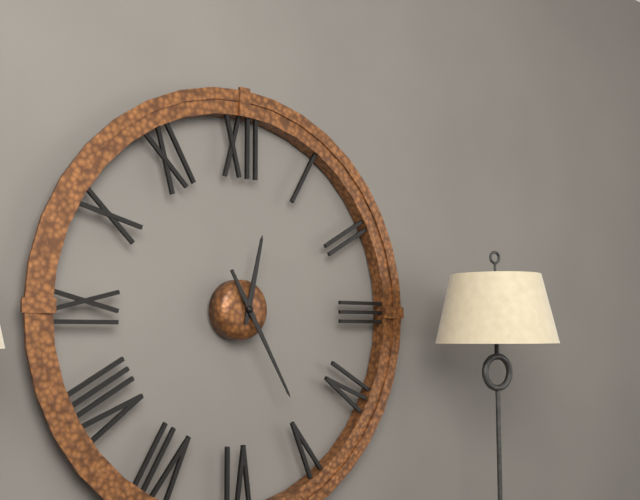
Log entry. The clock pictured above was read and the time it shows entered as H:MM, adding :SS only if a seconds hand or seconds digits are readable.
12:25
